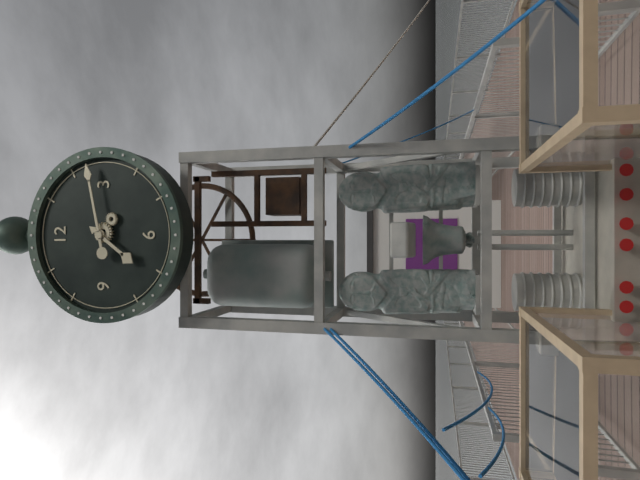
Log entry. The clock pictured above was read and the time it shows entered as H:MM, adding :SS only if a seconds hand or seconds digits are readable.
7:13
